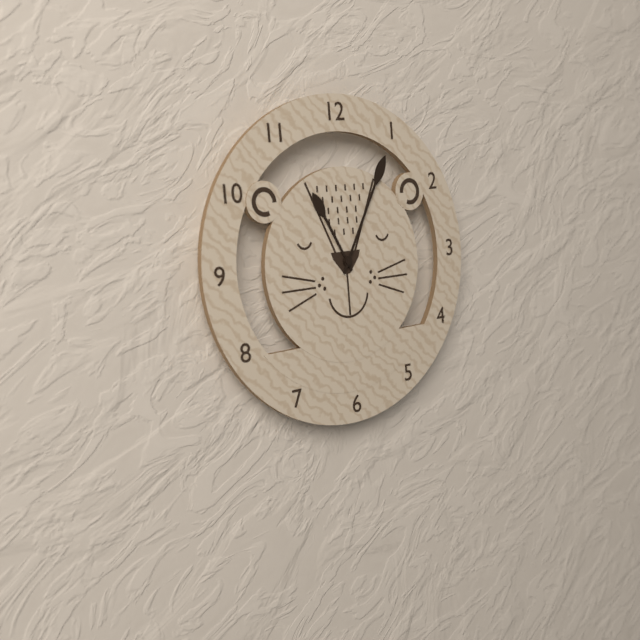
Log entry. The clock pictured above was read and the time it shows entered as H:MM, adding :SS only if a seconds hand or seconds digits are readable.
11:05
